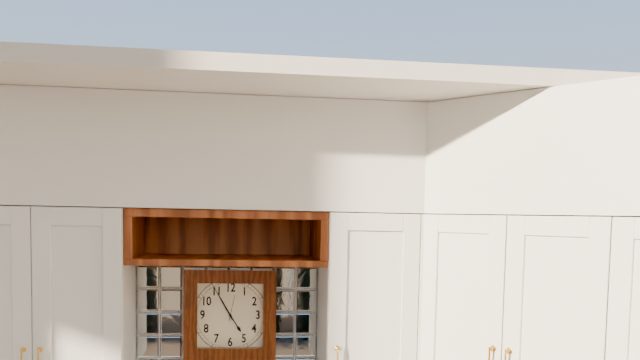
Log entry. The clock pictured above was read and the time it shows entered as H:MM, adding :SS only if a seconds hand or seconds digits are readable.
4:55
